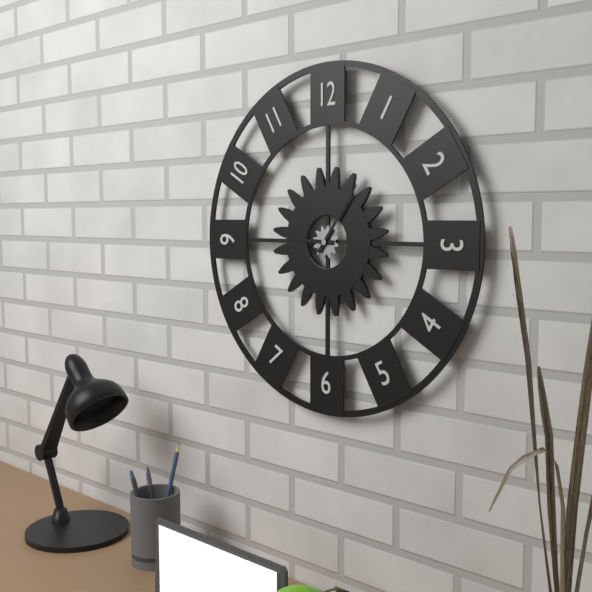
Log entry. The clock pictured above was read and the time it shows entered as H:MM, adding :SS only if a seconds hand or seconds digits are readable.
9:06
